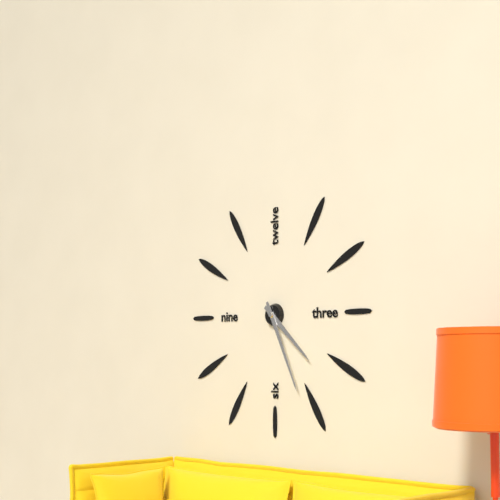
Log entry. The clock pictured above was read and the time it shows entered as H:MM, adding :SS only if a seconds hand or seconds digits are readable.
4:26
